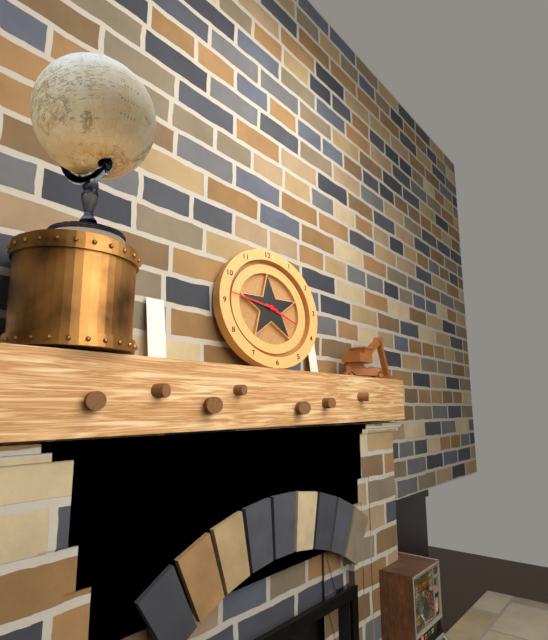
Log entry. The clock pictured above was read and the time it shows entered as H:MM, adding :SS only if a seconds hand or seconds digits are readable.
3:47
